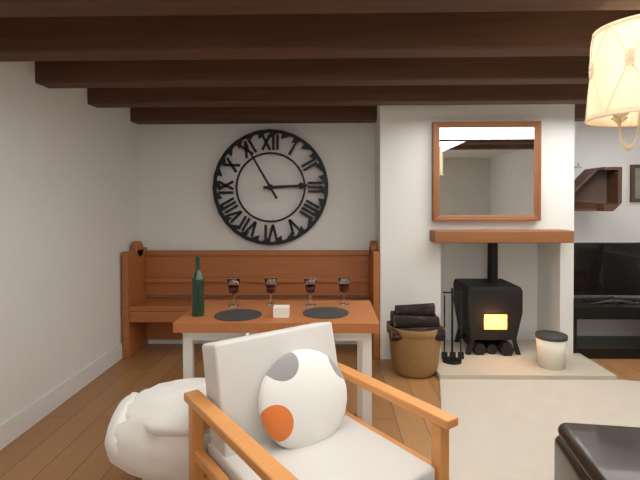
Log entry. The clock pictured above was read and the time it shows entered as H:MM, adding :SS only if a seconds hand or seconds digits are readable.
2:55
